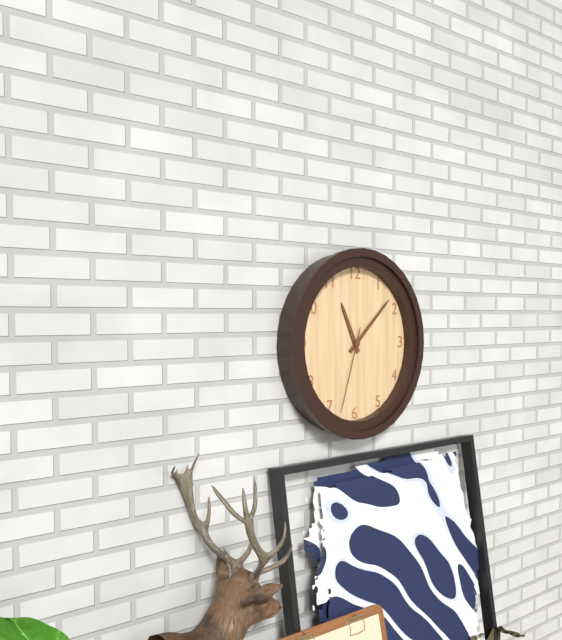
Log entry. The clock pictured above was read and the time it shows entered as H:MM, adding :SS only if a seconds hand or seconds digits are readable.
11:08:33
